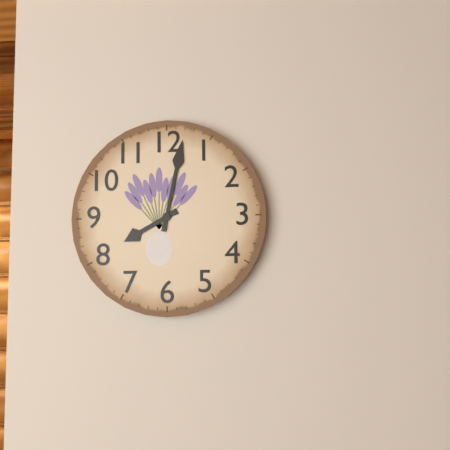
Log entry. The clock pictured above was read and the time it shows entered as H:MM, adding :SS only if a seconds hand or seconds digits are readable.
8:02
